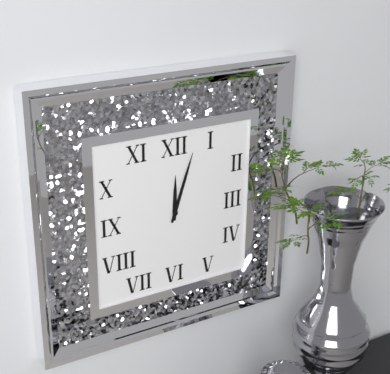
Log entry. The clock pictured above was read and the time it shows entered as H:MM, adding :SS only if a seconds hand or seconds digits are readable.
12:03
